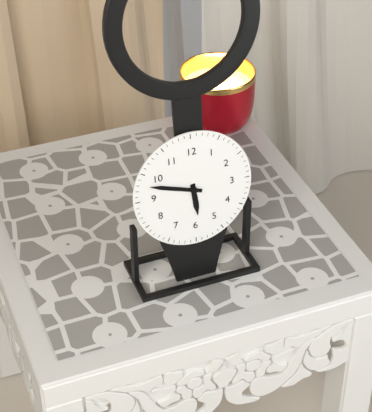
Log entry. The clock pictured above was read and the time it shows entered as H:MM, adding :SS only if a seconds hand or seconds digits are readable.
5:48
